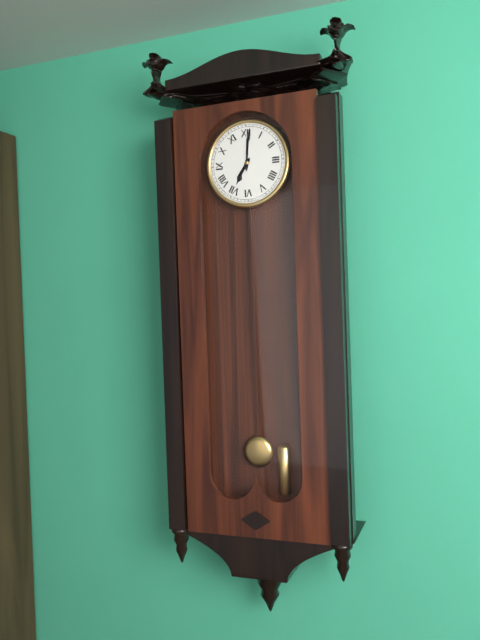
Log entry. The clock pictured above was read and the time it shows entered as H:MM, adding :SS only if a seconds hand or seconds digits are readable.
7:01
